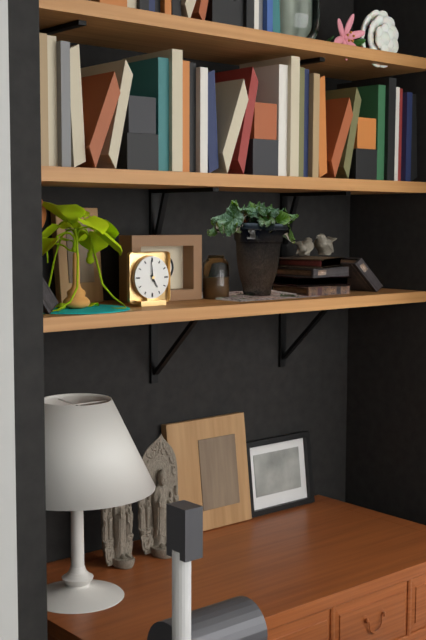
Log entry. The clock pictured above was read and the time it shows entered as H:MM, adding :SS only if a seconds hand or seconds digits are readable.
4:59
